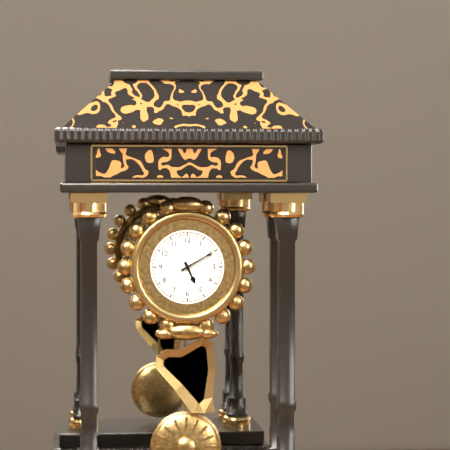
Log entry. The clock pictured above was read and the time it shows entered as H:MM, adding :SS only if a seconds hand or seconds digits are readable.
5:10
